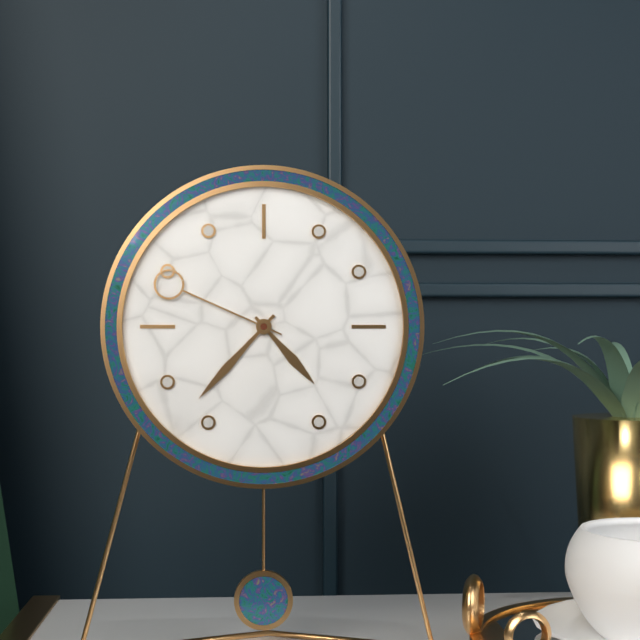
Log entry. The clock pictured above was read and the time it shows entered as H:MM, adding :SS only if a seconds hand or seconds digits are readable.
4:37:49
